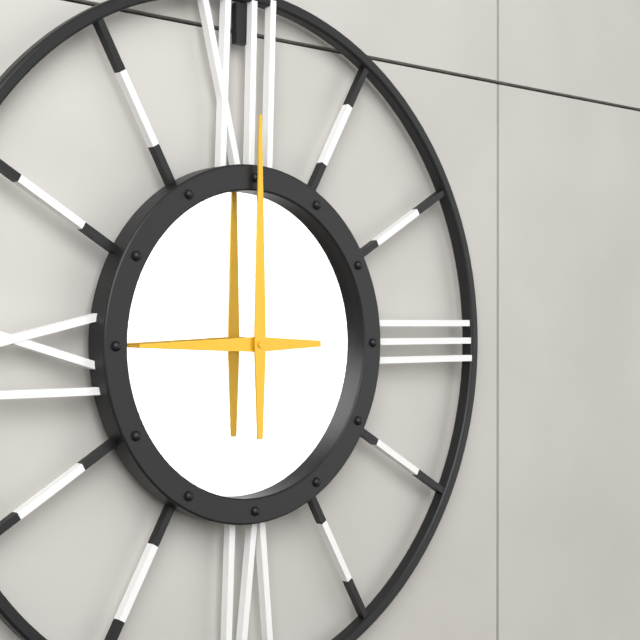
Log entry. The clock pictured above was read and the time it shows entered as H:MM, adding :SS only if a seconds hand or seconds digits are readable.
9:00
